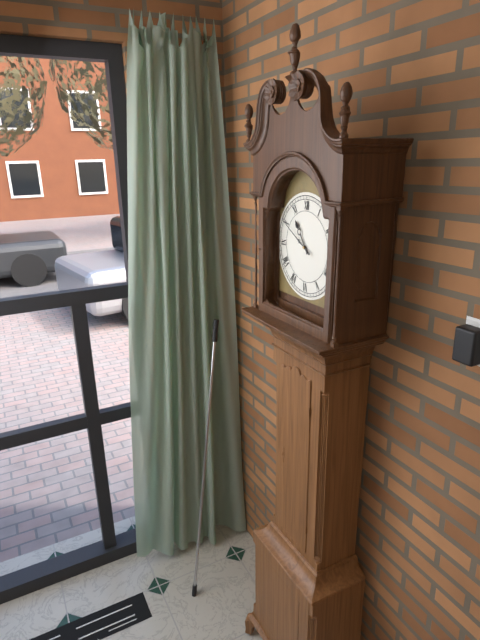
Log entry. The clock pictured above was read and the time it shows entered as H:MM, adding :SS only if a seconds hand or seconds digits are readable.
10:50
